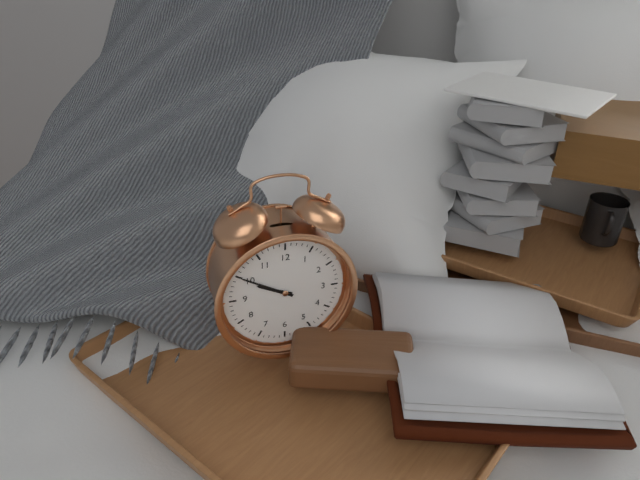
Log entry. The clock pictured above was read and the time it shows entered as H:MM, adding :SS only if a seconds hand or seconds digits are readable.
9:50
